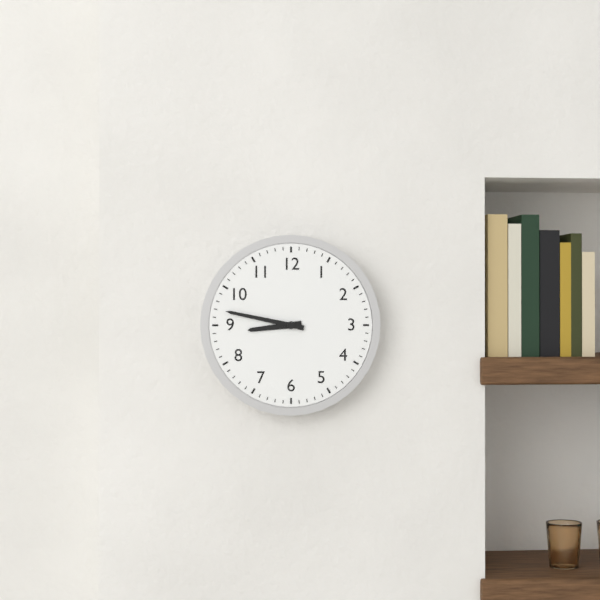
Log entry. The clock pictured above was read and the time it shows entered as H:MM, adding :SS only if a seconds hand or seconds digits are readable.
8:47
